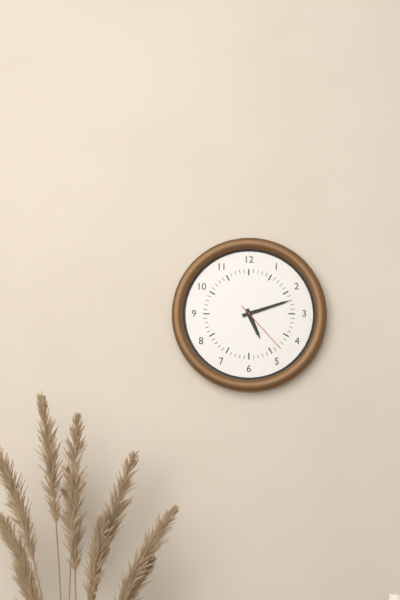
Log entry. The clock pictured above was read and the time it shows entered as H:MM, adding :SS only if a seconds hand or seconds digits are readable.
5:12:23
